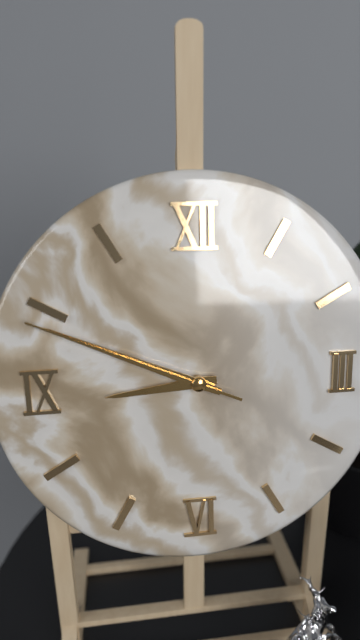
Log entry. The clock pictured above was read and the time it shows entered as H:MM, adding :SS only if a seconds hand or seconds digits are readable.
8:49:49
